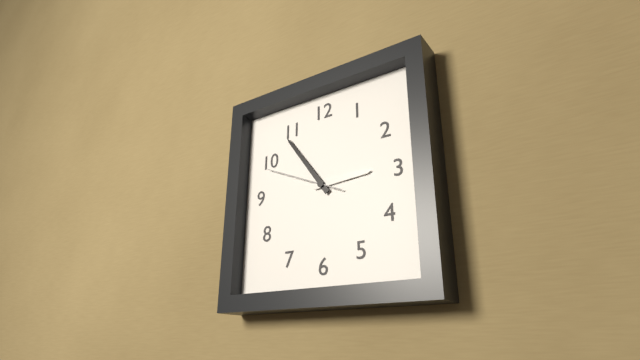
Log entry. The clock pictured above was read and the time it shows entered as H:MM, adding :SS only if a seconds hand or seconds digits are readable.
2:54:49
